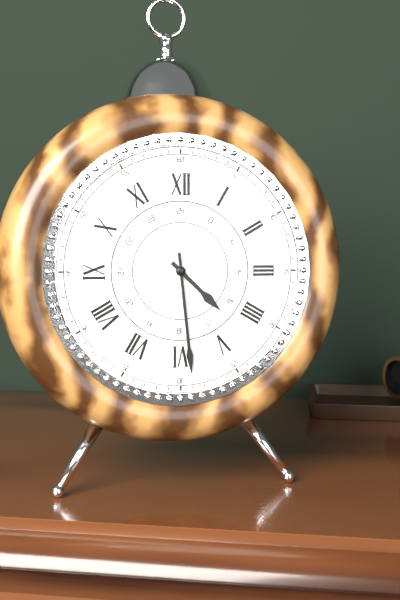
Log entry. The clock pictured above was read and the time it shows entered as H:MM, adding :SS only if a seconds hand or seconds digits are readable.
4:29
